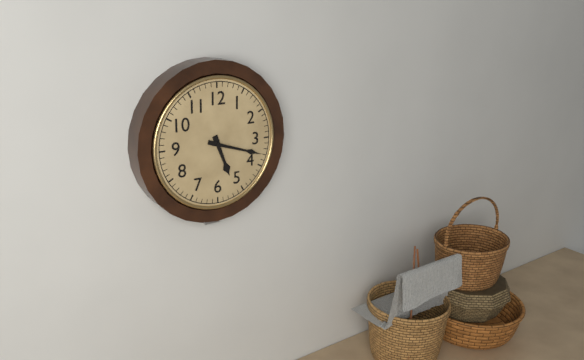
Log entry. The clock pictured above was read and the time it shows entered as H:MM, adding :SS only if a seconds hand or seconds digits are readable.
5:18
